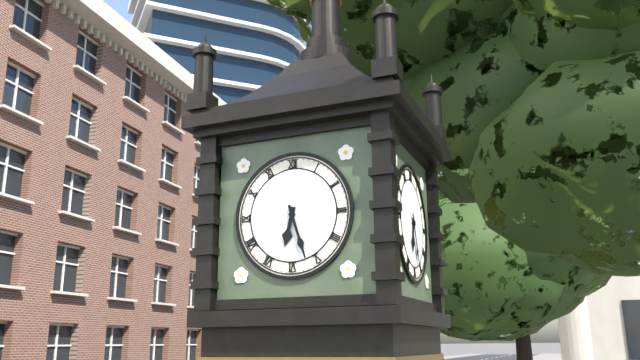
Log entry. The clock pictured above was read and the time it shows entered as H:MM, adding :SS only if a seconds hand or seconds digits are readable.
6:27
